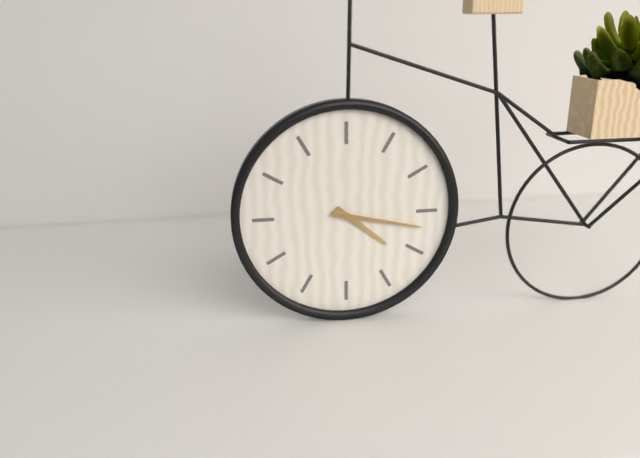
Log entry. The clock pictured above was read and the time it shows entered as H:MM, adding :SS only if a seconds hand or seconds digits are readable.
4:17
